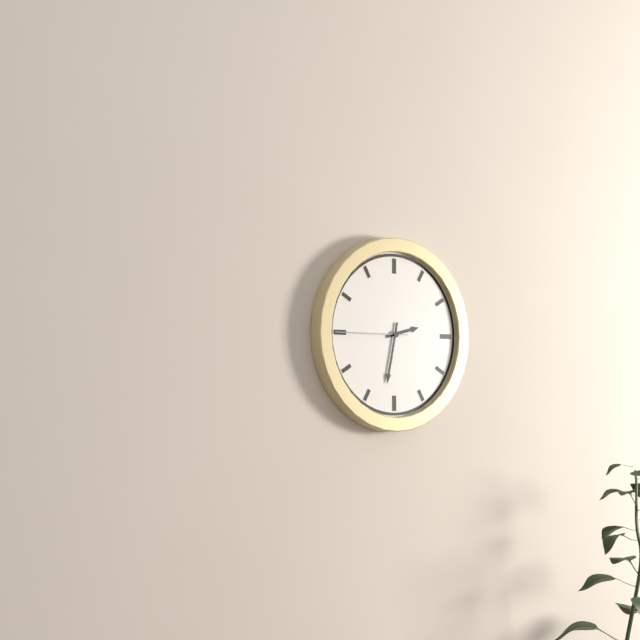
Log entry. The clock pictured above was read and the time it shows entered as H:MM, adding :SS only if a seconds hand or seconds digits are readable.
2:32:45
